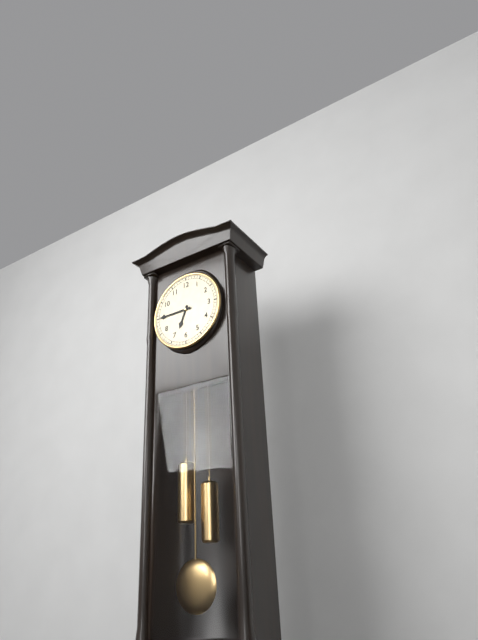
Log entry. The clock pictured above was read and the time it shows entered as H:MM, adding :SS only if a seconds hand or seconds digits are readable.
6:45
